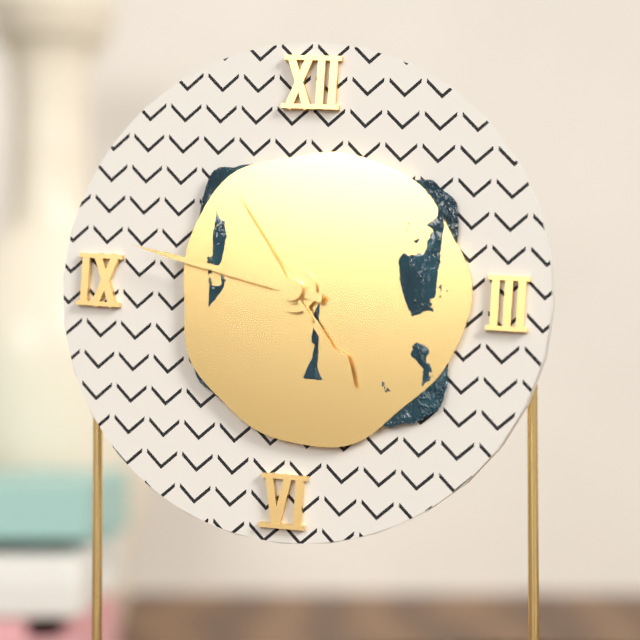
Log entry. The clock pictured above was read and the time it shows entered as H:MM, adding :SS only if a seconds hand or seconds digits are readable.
4:47:54
